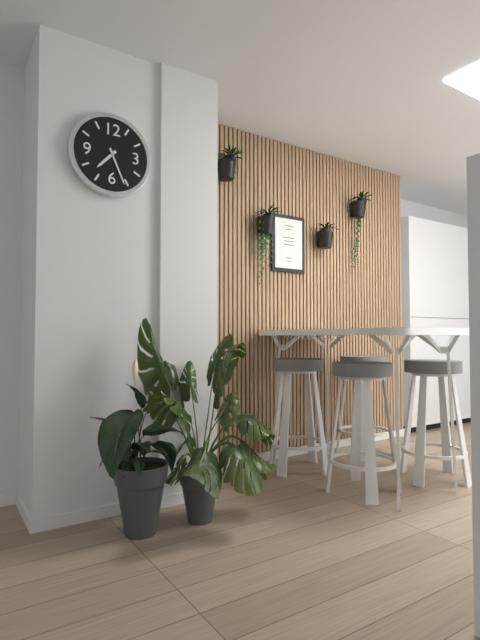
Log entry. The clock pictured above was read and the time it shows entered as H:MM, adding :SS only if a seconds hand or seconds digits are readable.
7:26
